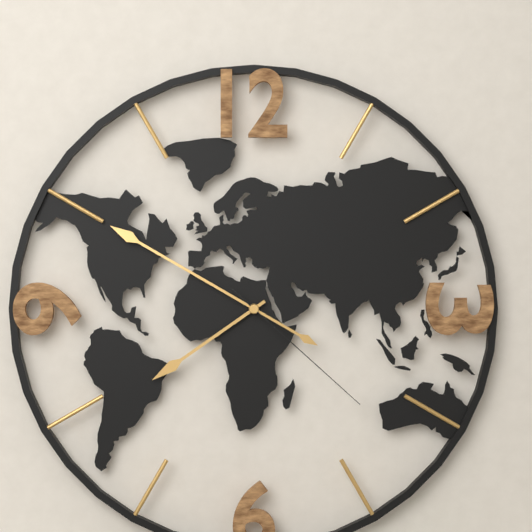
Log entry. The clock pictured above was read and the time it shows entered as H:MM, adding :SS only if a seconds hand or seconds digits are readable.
7:50:22
